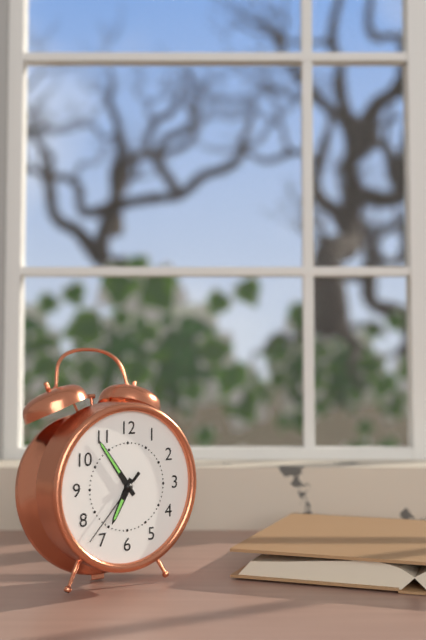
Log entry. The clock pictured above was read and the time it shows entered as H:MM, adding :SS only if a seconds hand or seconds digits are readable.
6:54:37
